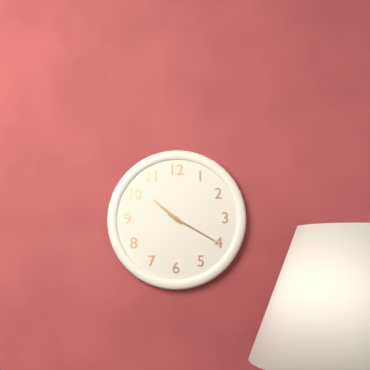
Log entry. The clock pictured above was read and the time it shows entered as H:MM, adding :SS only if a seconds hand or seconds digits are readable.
10:20
